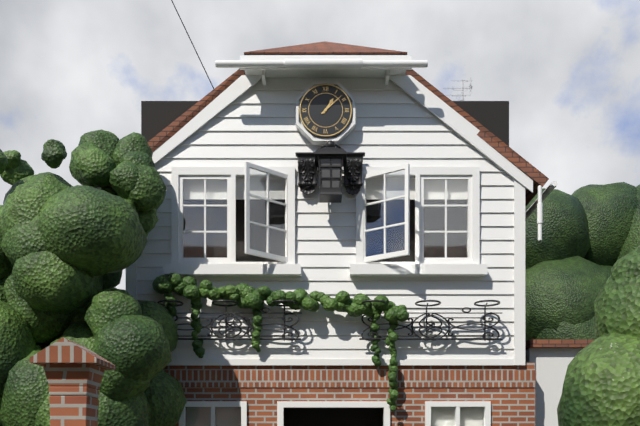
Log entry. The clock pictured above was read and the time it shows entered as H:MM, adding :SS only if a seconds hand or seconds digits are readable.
1:08
